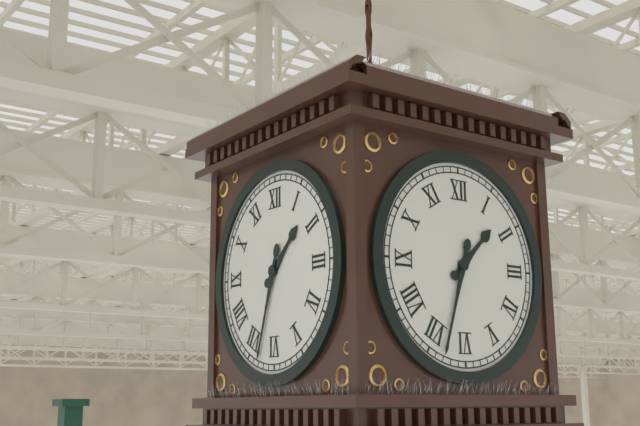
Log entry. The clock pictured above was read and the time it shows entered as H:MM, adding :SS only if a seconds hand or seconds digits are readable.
1:33
